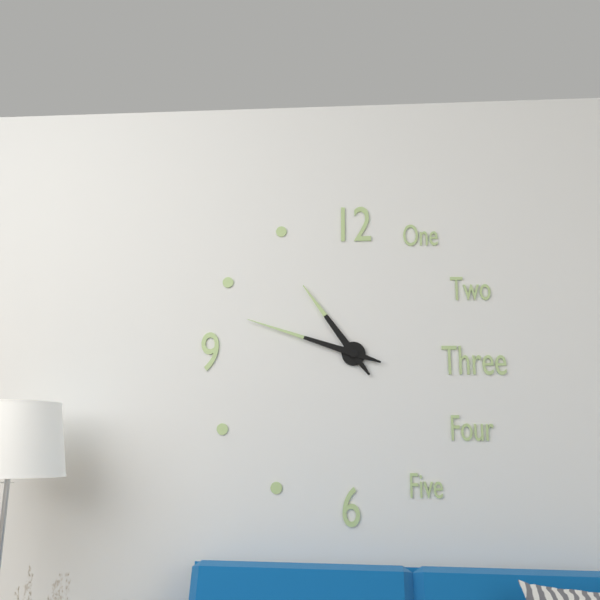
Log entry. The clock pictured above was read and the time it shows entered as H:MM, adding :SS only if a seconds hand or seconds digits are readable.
10:48
